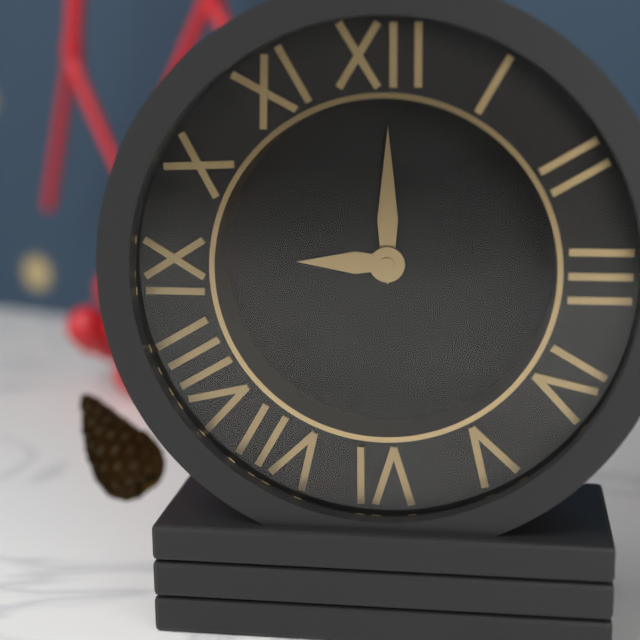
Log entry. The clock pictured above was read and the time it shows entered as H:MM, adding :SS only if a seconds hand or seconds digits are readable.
9:00
